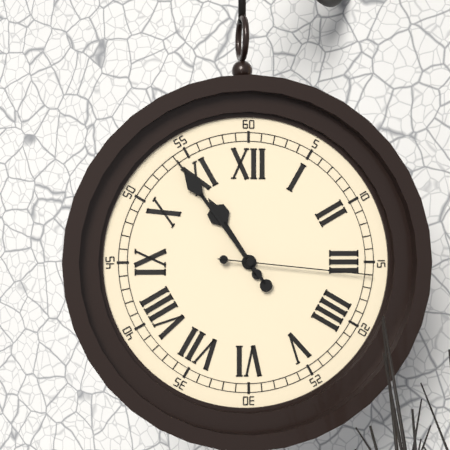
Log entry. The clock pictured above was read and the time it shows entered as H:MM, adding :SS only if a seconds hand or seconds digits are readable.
10:54:16
